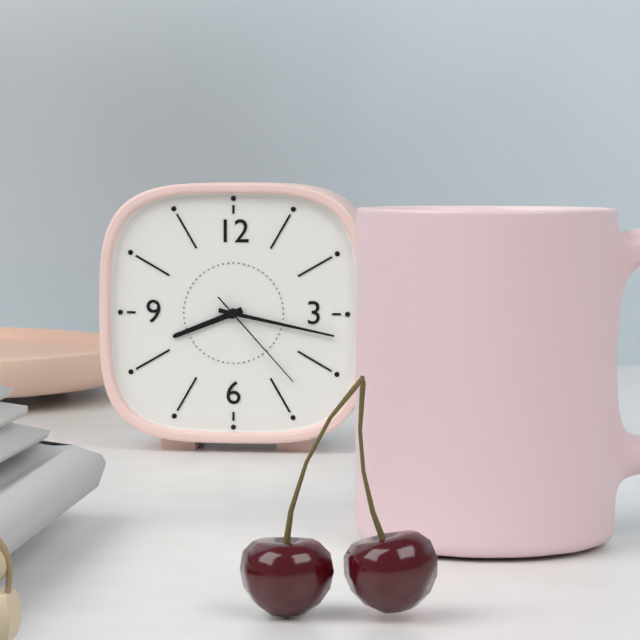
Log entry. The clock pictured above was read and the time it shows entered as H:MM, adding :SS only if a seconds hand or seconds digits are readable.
8:17:23
